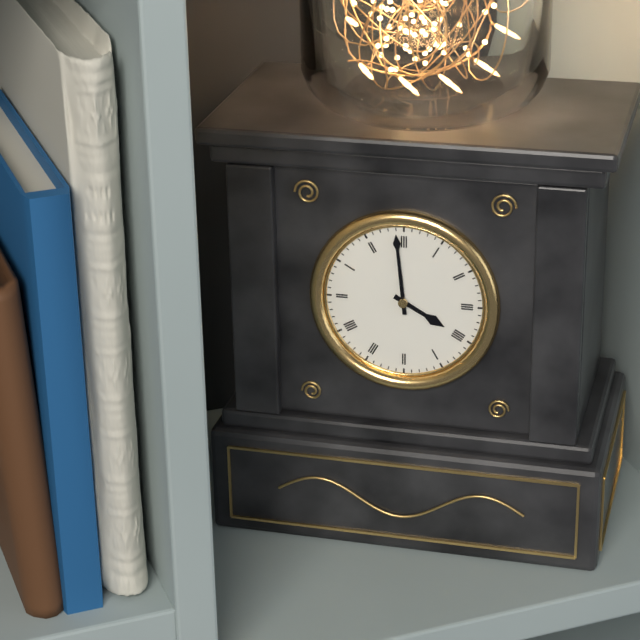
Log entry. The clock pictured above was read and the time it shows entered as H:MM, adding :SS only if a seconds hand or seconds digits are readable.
3:59
